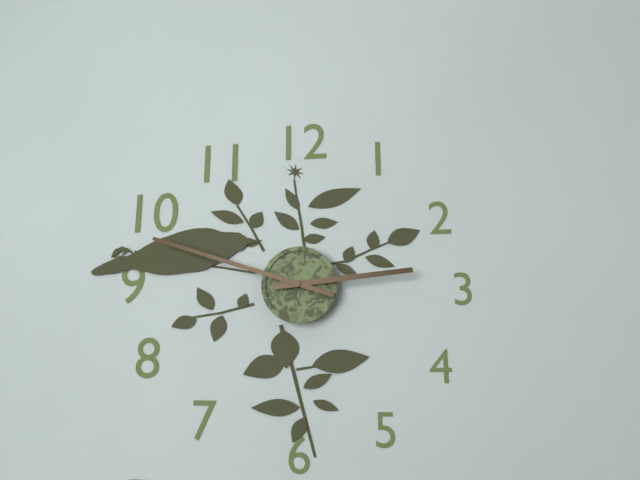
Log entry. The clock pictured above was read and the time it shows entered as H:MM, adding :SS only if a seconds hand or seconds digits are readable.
2:48
